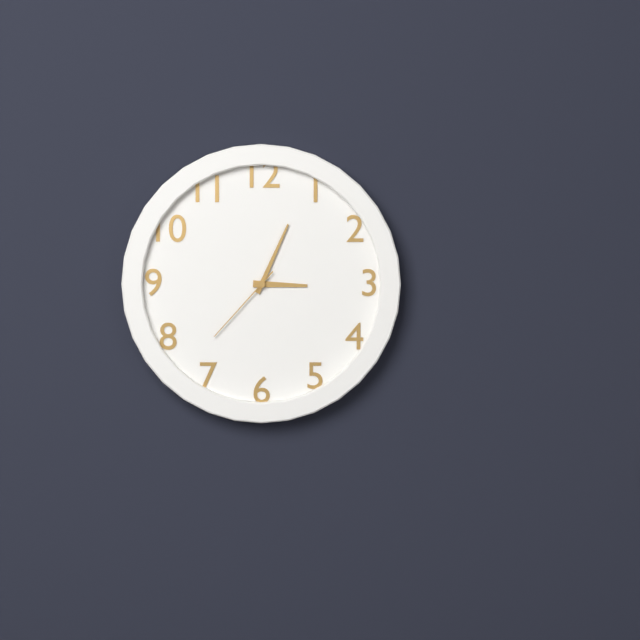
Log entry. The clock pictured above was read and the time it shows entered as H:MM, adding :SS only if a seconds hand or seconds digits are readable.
3:04:37
